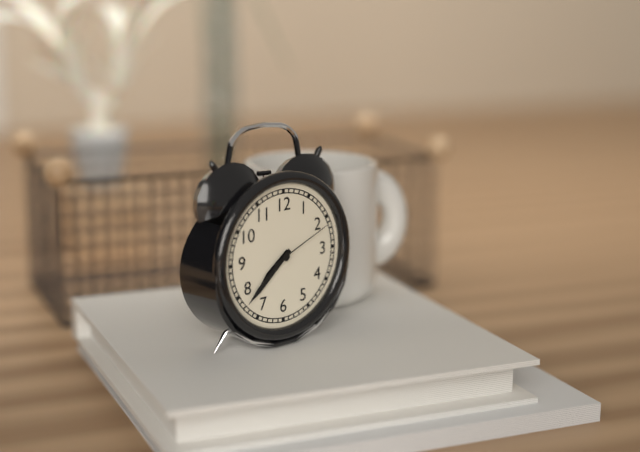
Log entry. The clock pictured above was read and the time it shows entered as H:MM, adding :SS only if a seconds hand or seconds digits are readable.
7:38:11
